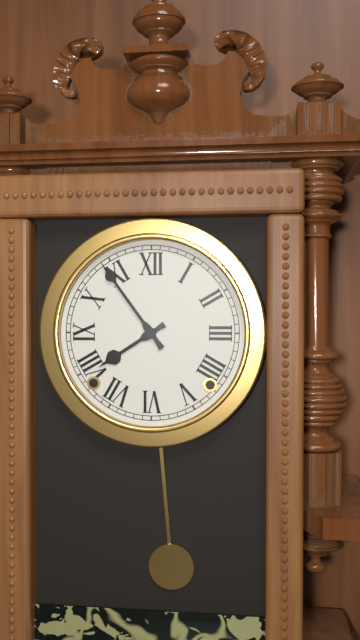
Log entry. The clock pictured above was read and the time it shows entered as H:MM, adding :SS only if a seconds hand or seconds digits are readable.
7:54
